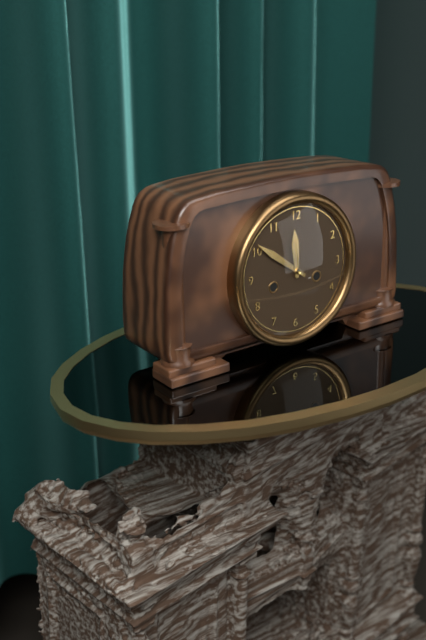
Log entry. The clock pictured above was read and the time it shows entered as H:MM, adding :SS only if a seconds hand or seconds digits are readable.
11:51
